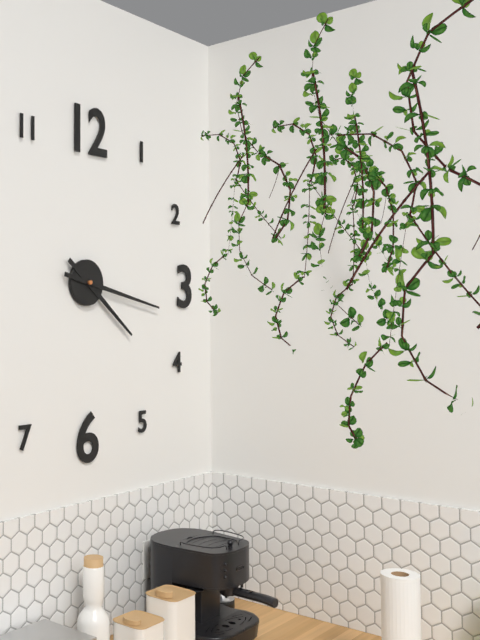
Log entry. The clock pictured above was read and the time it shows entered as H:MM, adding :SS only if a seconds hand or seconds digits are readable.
4:17
